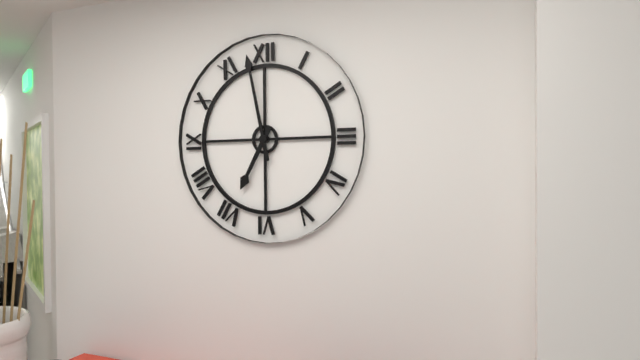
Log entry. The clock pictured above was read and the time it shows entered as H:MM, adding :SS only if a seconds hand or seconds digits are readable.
6:58
